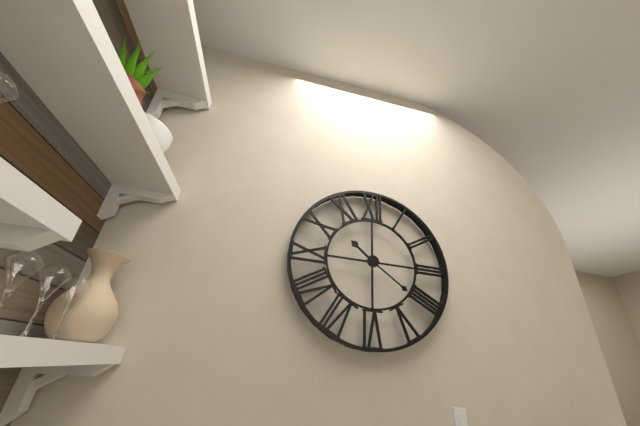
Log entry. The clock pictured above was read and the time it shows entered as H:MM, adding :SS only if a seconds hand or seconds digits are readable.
10:21
